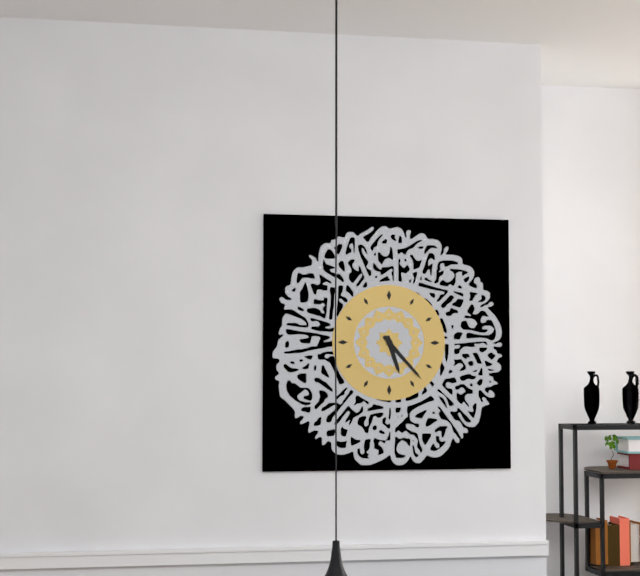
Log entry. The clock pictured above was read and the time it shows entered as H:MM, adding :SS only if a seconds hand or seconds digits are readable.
5:23
